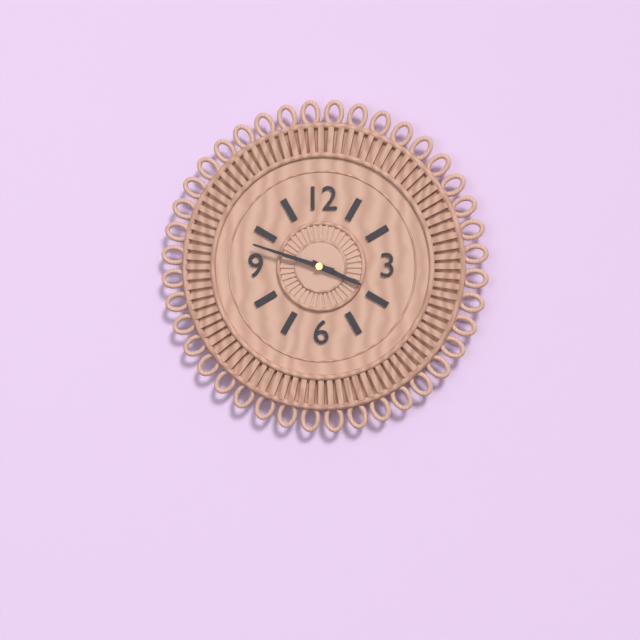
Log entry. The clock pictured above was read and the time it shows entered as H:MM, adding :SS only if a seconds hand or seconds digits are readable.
3:48
